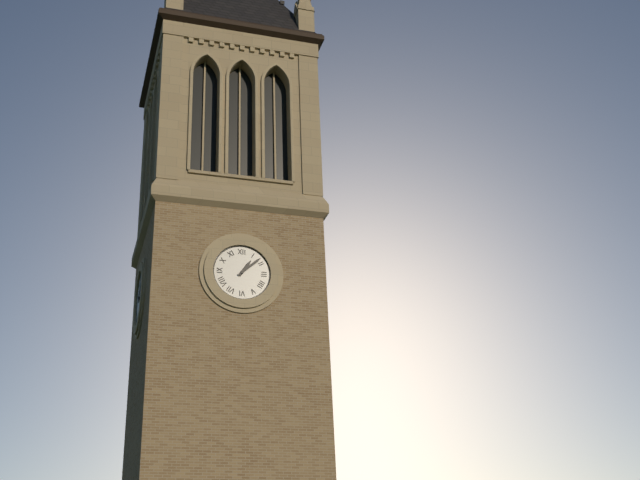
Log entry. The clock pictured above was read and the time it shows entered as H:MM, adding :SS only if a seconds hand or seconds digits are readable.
1:08
